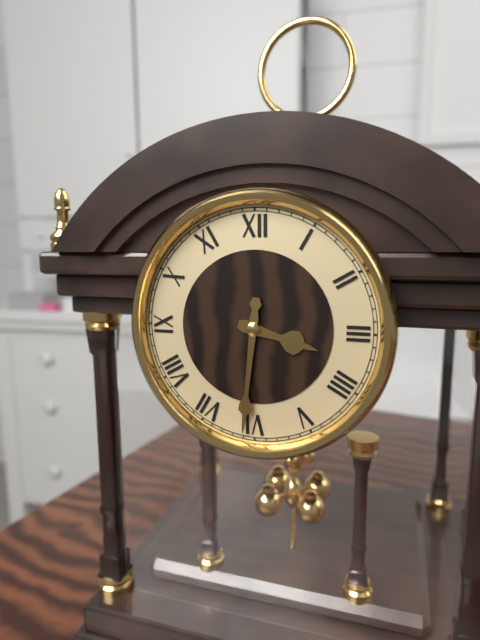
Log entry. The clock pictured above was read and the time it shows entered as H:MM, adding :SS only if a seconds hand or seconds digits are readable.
3:31
